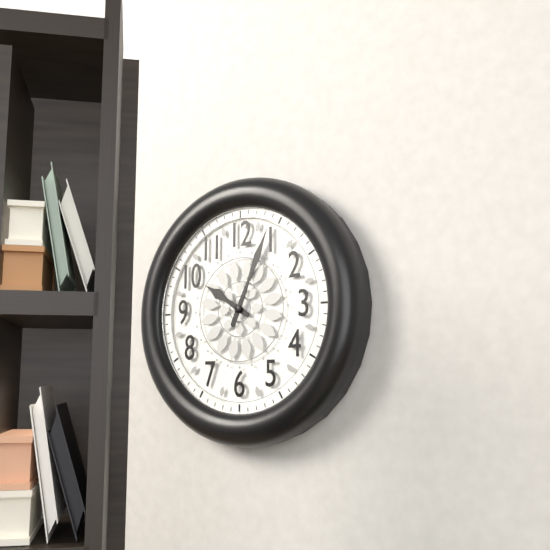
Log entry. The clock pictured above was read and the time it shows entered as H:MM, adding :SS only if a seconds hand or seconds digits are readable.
10:04
